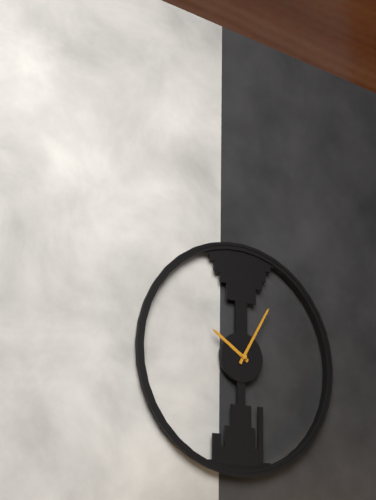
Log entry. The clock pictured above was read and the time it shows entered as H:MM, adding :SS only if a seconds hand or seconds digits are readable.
10:05
